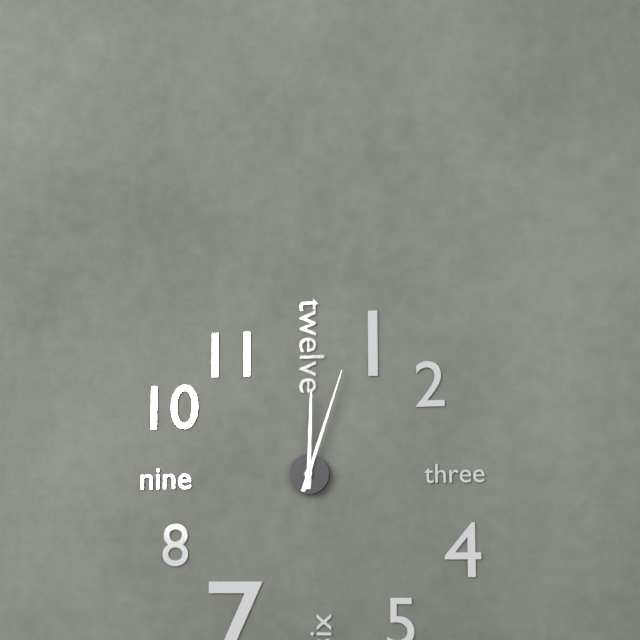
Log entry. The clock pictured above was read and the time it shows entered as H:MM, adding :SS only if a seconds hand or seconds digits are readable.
12:03
